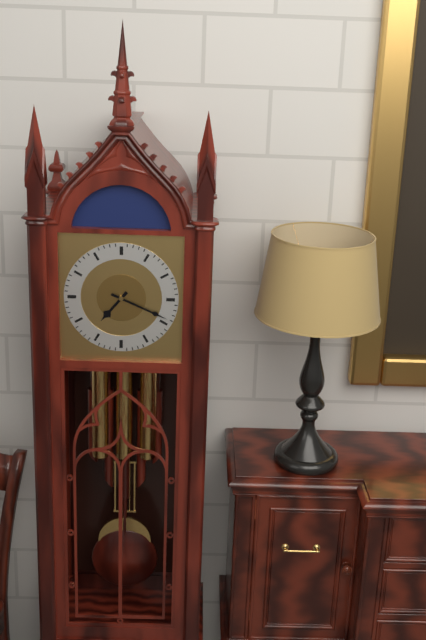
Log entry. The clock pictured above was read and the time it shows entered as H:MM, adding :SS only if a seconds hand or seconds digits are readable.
7:19
